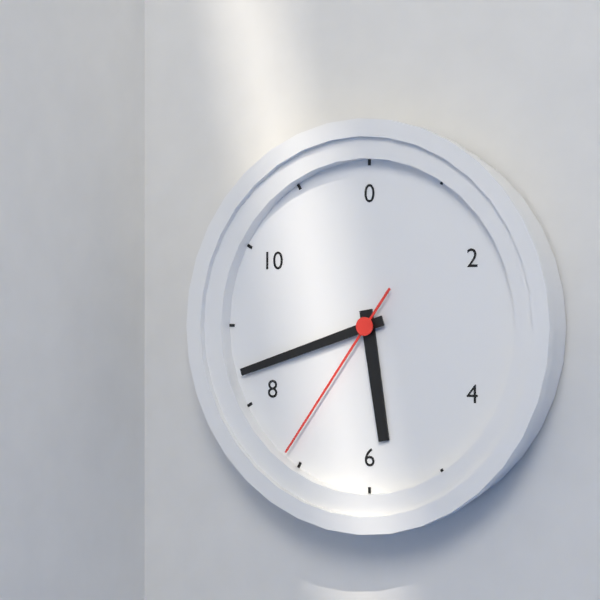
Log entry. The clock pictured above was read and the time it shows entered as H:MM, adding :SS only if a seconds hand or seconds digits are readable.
5:42:36
